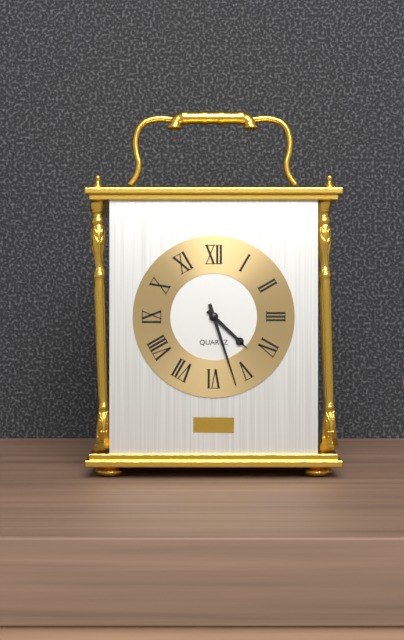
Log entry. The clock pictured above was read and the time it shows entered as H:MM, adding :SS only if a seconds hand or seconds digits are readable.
4:27
